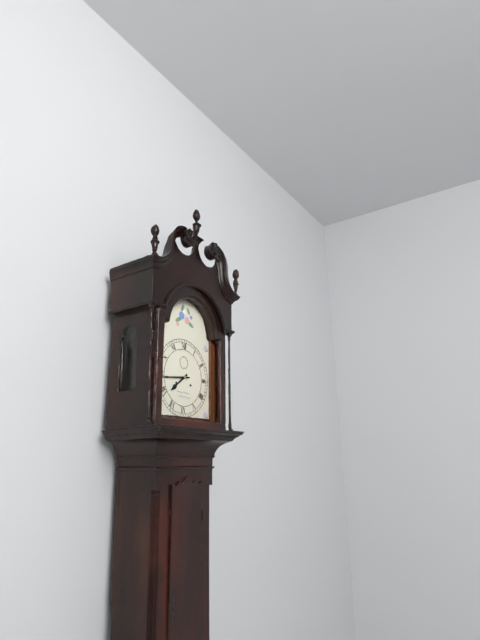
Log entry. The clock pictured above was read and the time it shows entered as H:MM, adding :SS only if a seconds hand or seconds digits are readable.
7:44
